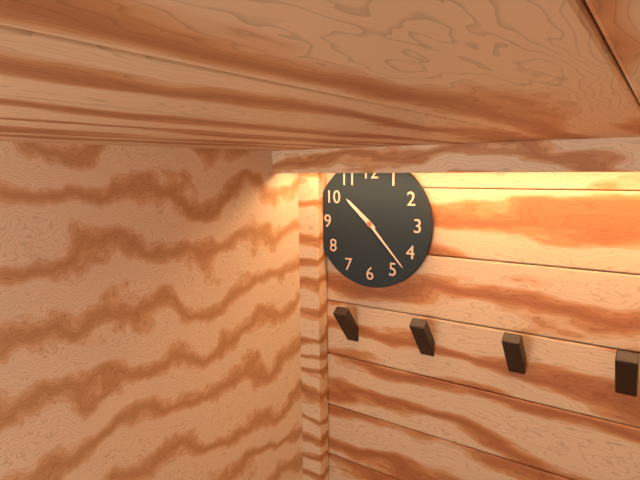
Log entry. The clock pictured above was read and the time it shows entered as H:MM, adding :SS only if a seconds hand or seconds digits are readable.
10:23
